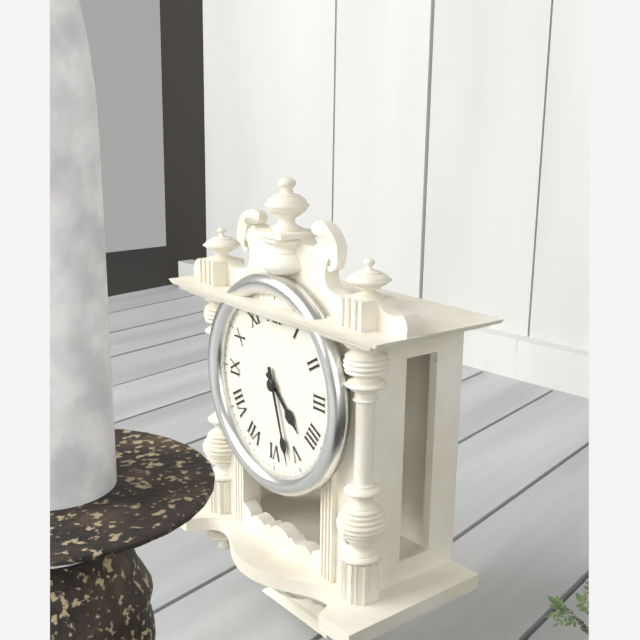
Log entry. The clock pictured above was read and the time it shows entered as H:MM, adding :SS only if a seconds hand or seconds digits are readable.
4:27
